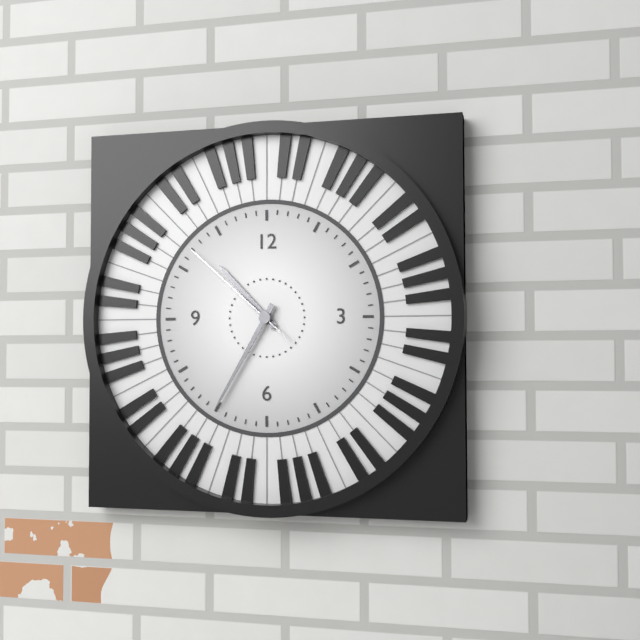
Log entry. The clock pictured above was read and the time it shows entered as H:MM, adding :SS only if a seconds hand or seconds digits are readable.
10:35:52
